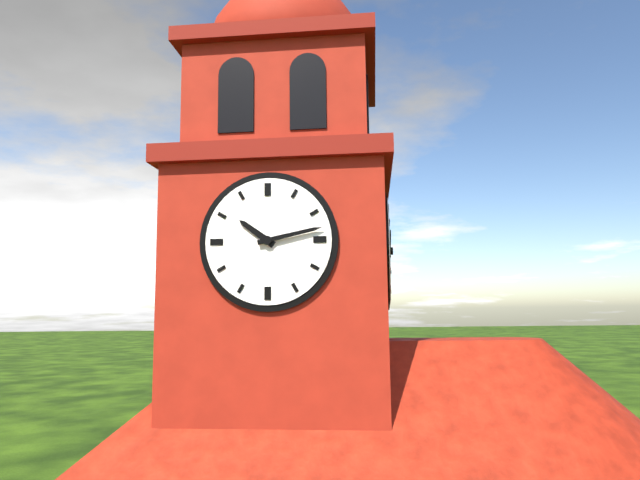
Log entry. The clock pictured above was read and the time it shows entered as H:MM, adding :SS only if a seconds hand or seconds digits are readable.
10:13
